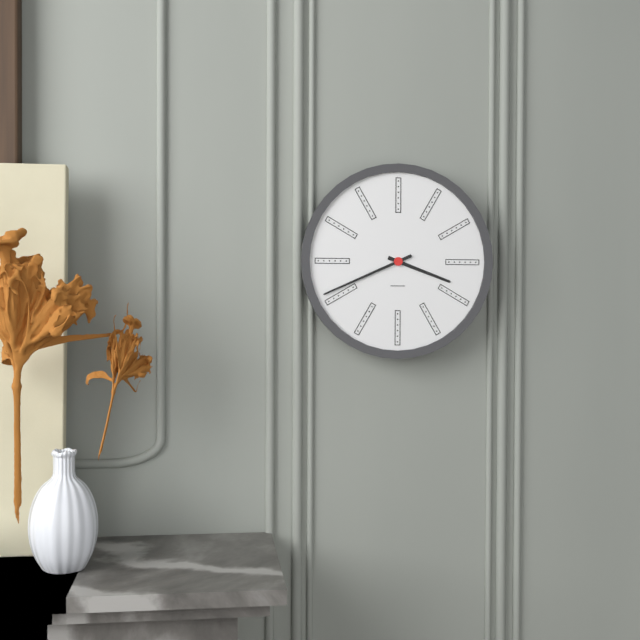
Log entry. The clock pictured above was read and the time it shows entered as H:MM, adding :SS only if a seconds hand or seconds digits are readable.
3:41
